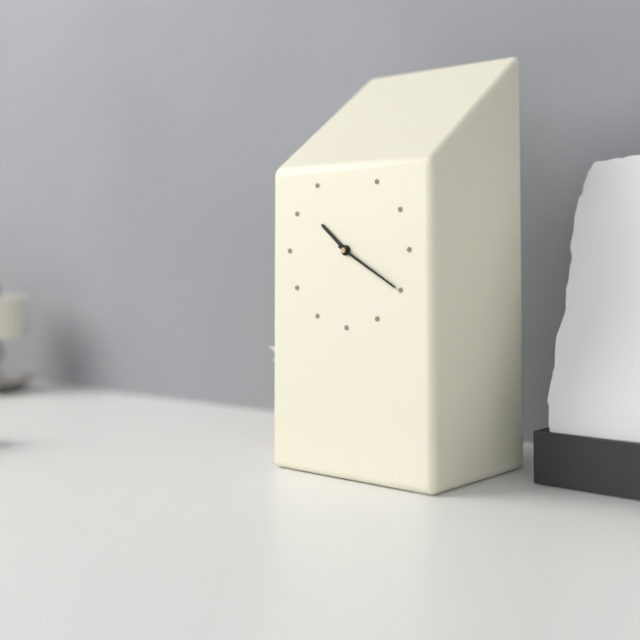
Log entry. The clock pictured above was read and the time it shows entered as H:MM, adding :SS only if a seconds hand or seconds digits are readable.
10:20
